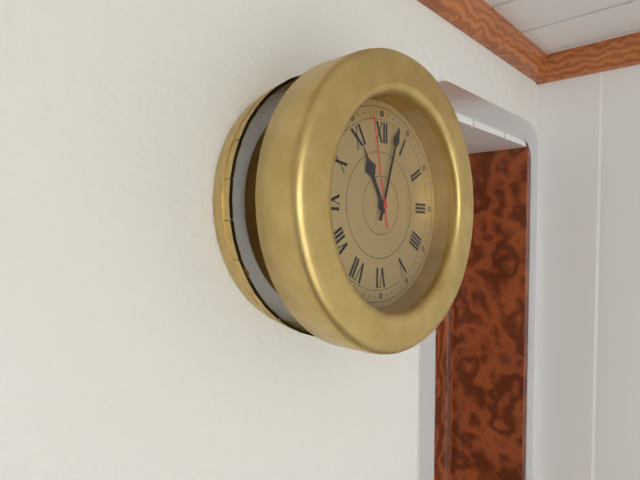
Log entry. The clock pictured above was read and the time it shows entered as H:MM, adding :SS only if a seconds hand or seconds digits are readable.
11:03:58
